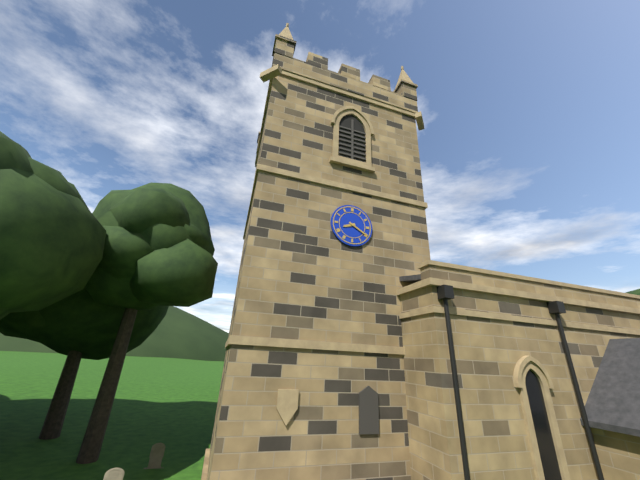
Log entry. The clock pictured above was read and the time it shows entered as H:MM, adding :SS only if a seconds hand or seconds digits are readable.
8:20
